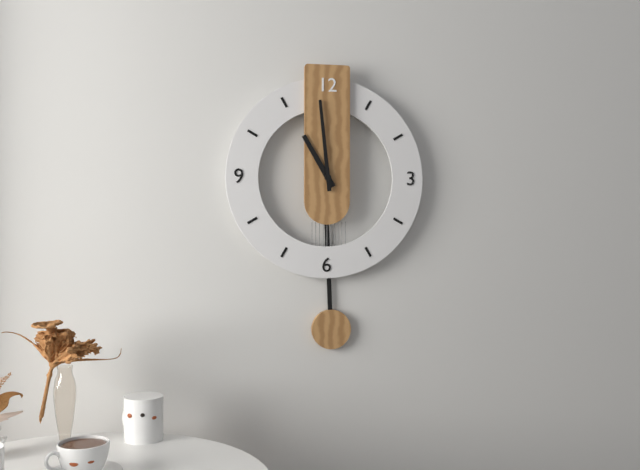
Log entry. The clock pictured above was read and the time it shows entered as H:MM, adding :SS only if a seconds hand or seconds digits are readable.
10:59
